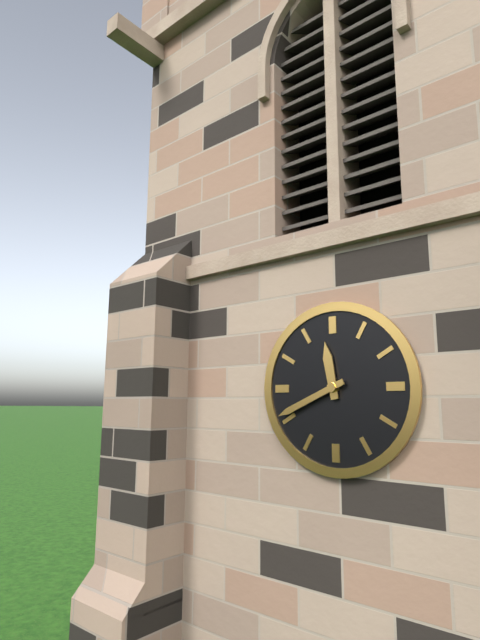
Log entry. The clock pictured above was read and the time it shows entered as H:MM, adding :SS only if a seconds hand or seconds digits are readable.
11:41
